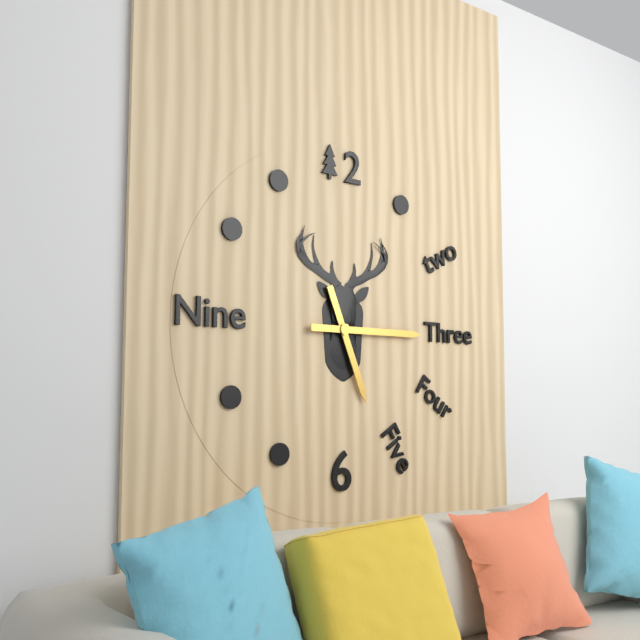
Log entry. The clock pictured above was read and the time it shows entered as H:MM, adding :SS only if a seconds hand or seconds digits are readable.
5:15
